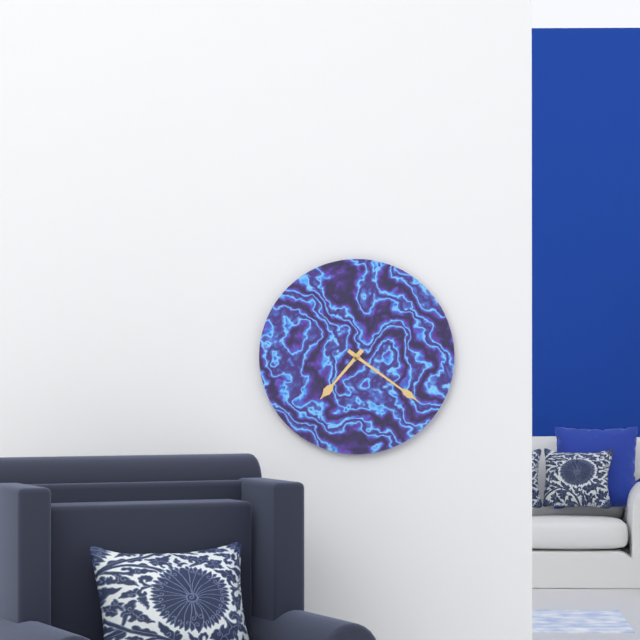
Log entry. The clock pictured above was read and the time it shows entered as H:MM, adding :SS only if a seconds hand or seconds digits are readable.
7:21
